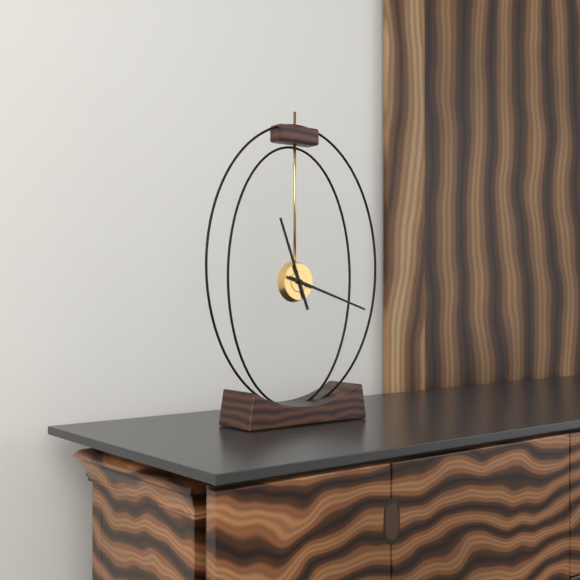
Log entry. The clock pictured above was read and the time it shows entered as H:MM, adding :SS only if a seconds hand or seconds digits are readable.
11:18
